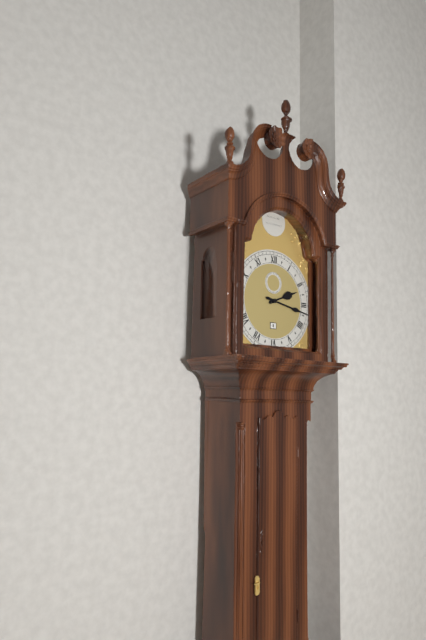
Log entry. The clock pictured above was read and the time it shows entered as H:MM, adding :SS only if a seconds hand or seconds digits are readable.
2:17
